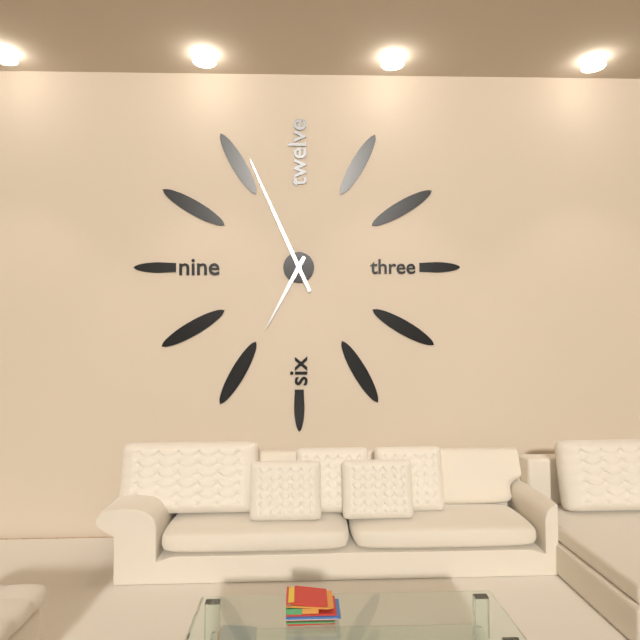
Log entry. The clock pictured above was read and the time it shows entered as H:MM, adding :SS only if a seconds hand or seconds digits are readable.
6:56
